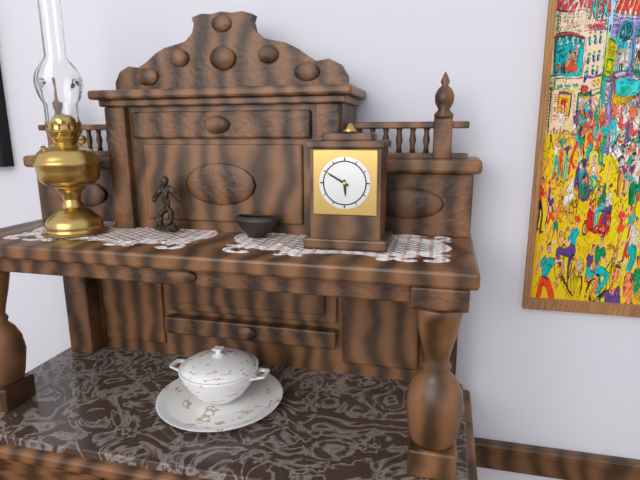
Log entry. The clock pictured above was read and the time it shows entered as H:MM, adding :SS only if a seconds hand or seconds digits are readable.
5:50
